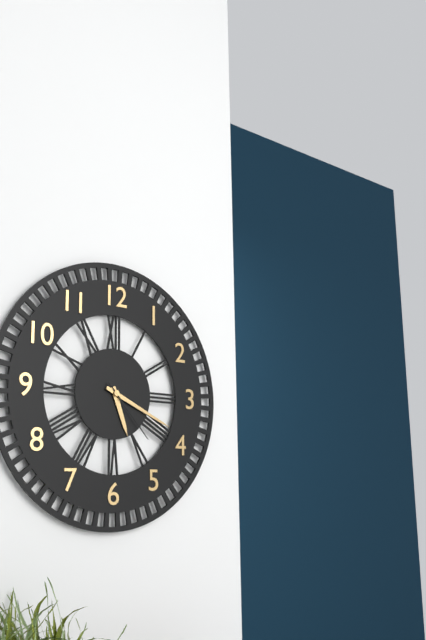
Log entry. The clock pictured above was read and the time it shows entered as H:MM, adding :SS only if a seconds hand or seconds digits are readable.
5:19:23
